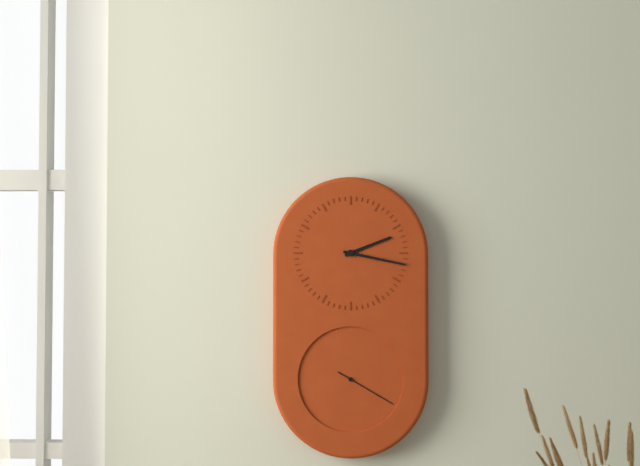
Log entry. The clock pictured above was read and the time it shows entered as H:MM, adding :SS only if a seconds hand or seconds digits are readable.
2:17:20
